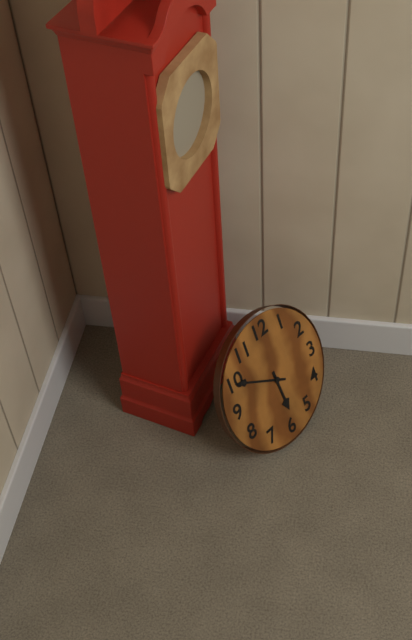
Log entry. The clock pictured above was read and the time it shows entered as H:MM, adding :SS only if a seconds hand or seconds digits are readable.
5:50
